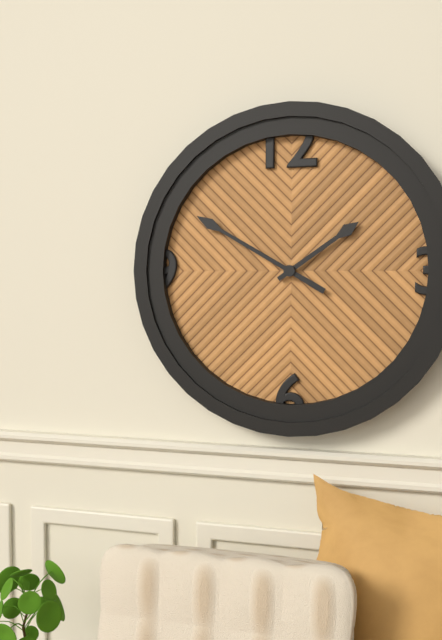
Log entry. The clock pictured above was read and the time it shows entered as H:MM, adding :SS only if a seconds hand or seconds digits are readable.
1:50
